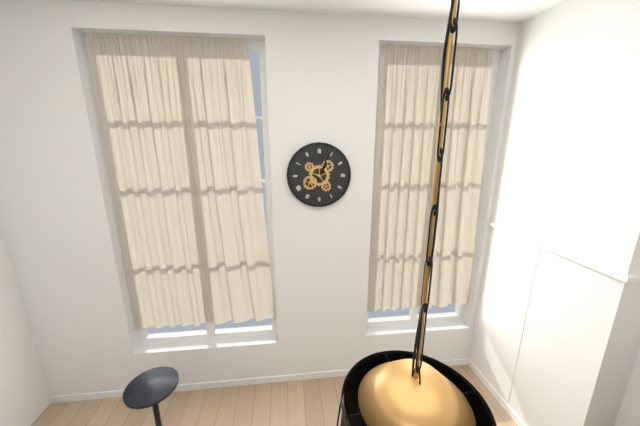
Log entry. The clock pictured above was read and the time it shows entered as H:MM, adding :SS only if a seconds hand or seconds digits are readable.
1:04
